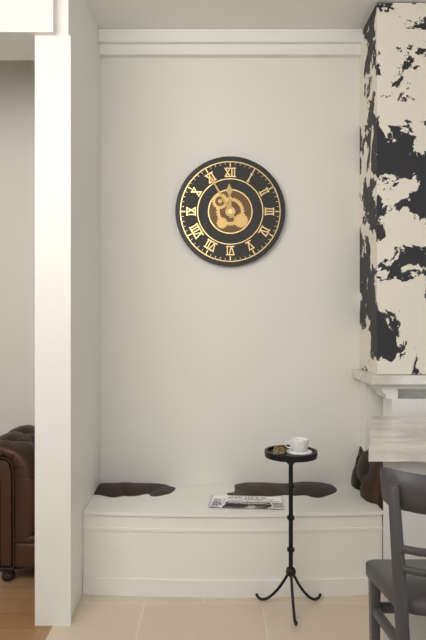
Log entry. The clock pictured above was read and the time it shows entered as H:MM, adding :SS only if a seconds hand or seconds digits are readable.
11:55
